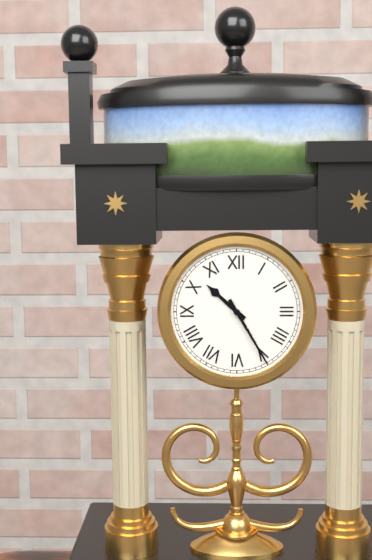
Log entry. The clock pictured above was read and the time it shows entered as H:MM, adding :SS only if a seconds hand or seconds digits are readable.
10:25
